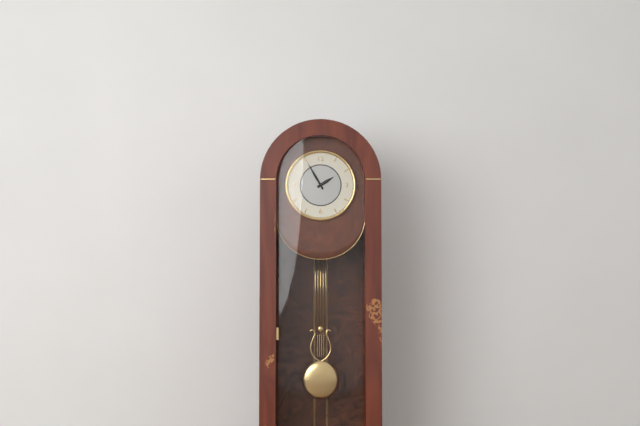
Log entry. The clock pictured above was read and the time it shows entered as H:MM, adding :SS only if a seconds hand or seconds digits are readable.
1:55
